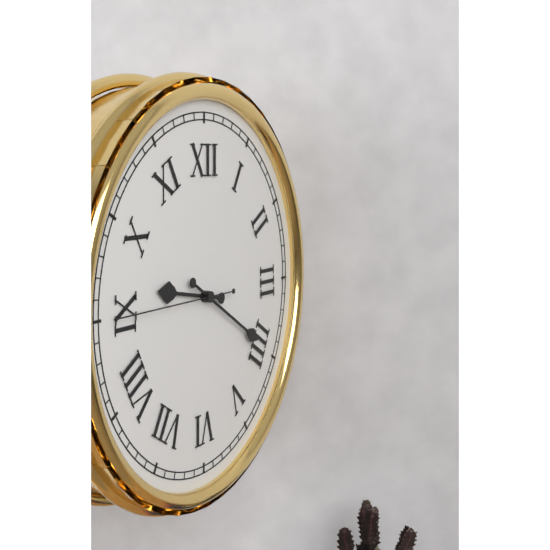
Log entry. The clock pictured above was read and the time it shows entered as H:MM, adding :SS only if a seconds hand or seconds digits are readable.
9:20:45
